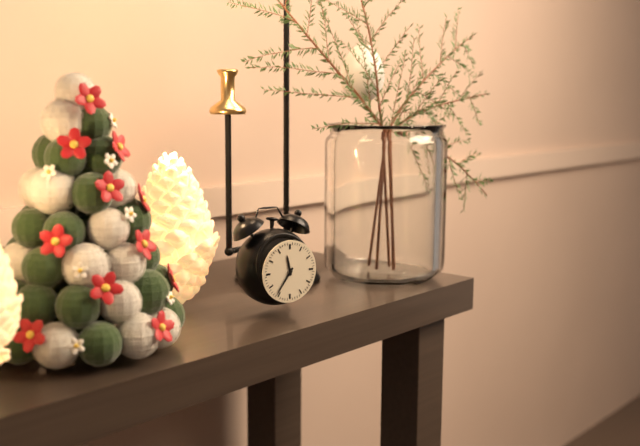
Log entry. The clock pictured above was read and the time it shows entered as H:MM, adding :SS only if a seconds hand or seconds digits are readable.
11:36
